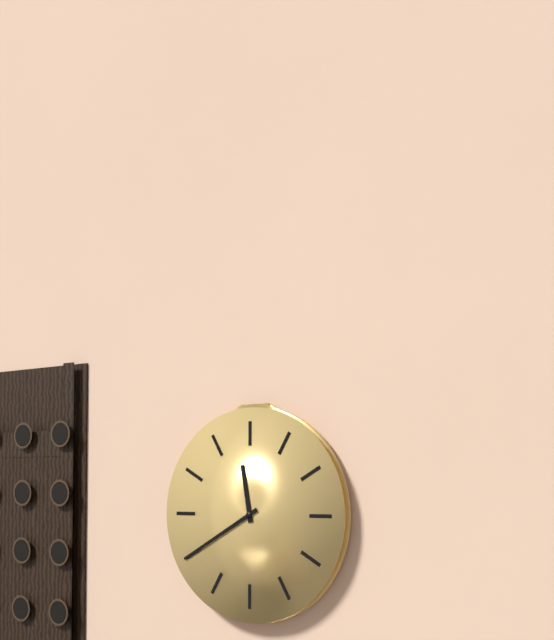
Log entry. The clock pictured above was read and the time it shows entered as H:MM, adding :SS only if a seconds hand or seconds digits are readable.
11:40
